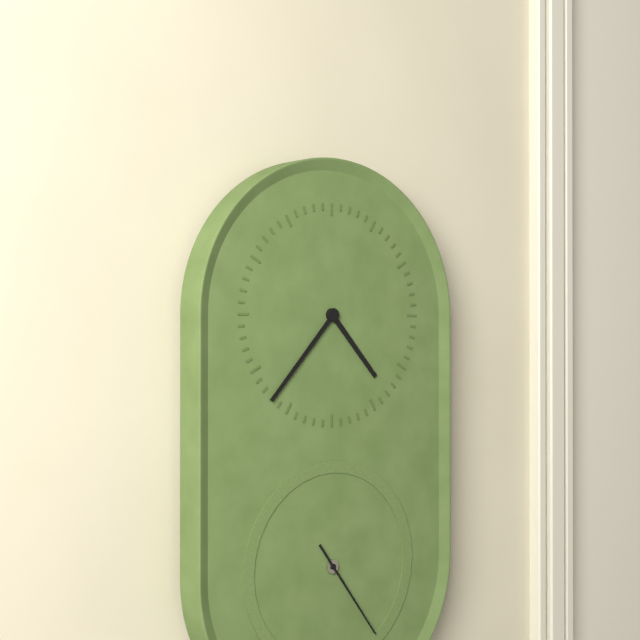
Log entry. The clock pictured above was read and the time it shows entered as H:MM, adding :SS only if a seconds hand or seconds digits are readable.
4:37:24
